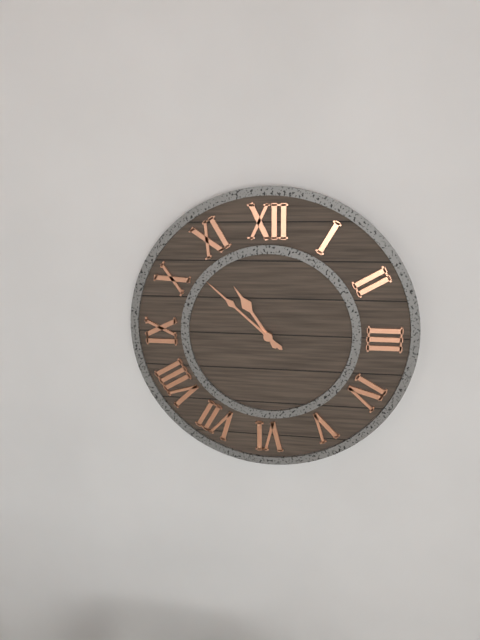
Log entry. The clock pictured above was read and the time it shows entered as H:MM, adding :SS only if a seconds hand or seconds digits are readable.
10:52
